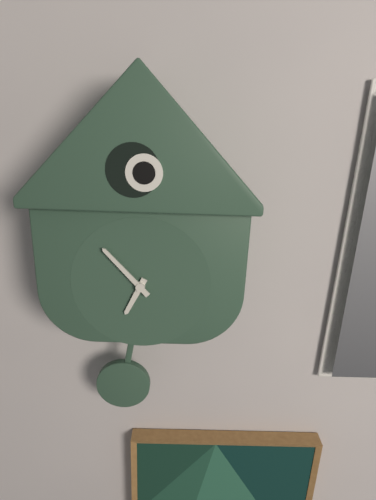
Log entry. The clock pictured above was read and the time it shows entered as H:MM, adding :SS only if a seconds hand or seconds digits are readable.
6:53
